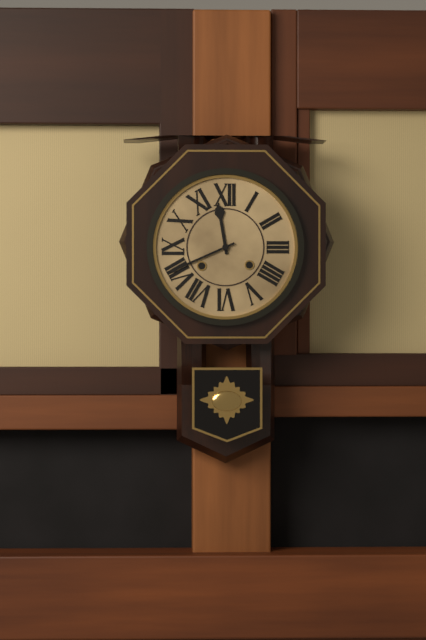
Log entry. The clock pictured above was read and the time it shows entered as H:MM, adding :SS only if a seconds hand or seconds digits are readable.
11:41
